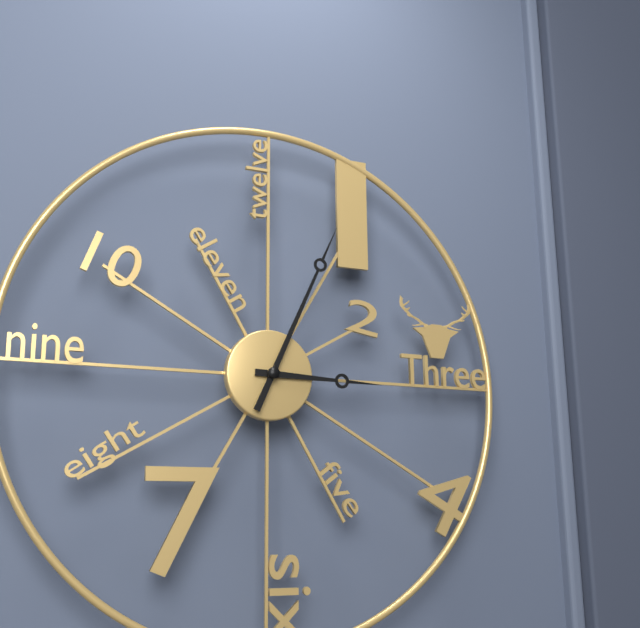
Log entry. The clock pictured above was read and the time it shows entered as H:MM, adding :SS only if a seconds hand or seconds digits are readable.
3:04
